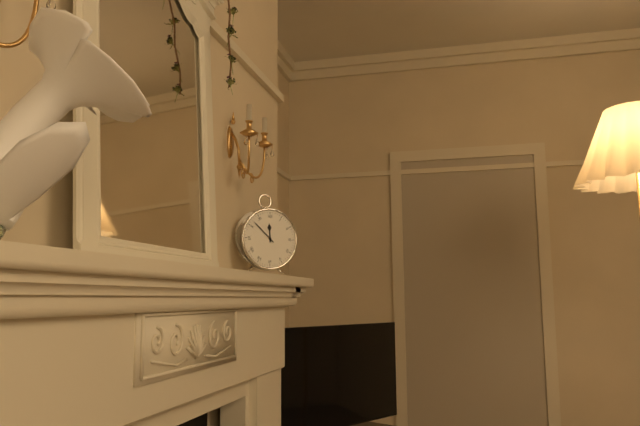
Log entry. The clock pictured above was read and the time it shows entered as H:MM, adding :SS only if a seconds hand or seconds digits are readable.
11:52
